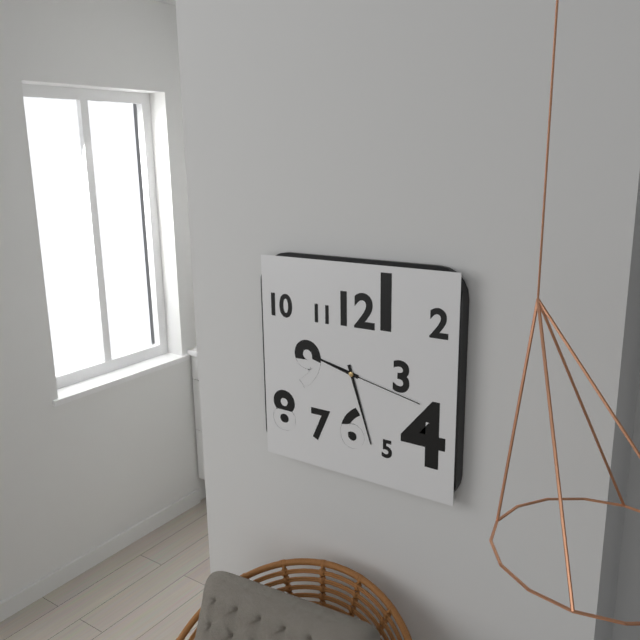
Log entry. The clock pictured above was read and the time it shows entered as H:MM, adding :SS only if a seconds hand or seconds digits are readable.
9:27:17
